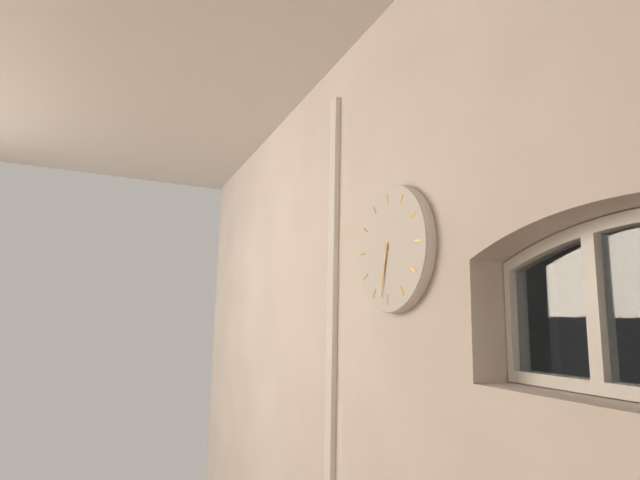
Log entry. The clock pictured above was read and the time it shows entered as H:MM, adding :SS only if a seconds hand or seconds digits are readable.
6:32
